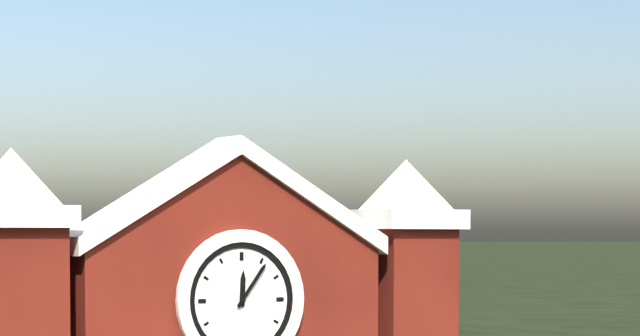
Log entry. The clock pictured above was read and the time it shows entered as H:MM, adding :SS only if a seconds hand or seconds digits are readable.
12:06
